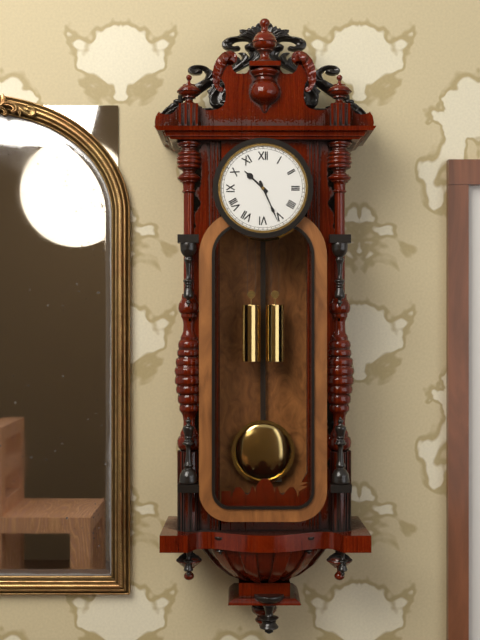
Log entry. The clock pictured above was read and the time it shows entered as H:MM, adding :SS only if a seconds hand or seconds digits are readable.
10:26
